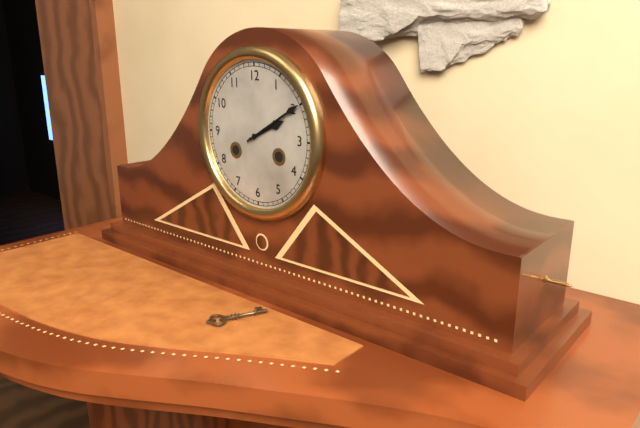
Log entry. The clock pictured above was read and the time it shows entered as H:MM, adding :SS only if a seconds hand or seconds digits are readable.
2:10
